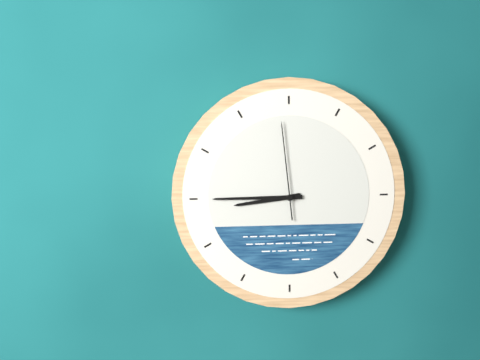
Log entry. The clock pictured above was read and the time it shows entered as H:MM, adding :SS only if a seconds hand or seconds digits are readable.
8:45:59
